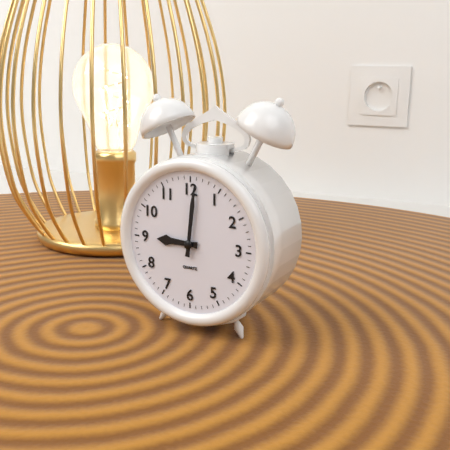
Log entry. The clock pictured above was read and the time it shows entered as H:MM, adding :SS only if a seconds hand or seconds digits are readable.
9:01
